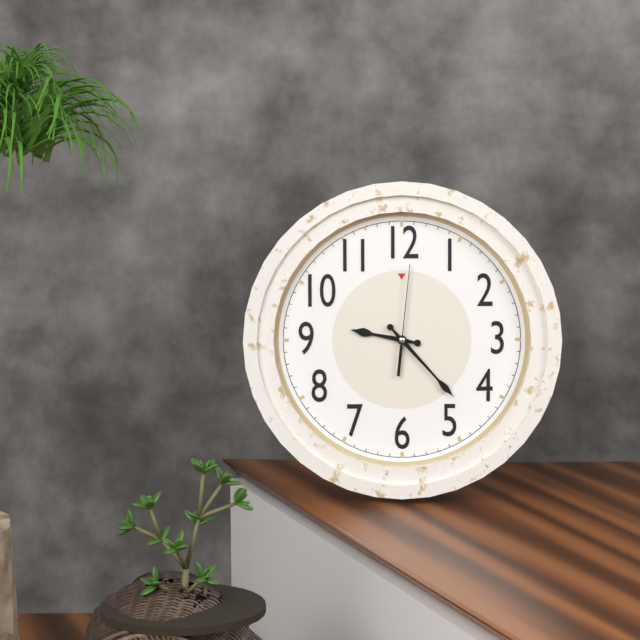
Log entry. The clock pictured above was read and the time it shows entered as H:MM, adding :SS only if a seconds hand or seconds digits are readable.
9:23:01
